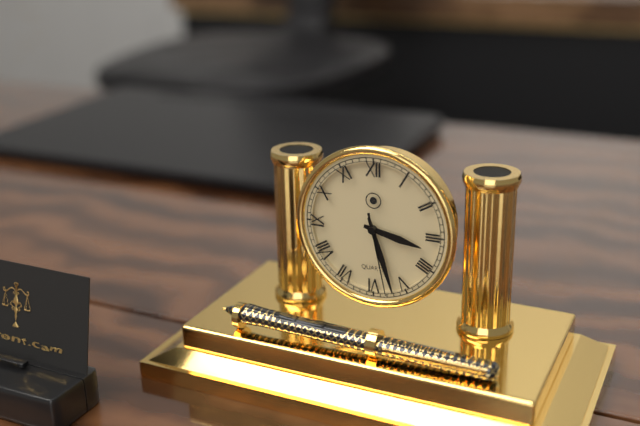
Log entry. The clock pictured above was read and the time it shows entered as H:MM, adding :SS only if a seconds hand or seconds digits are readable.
3:27:28
